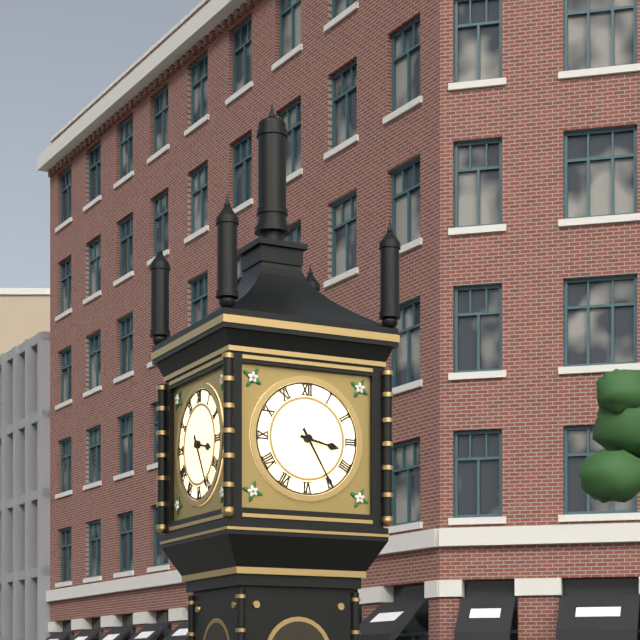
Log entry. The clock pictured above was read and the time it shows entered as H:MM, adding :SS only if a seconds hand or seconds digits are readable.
3:25
